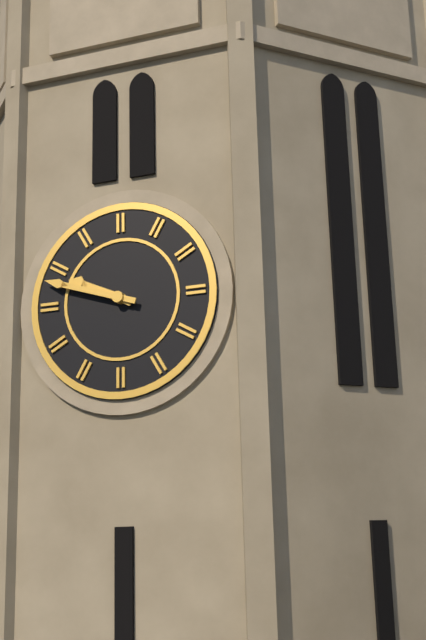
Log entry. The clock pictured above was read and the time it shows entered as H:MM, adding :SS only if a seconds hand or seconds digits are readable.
9:48
